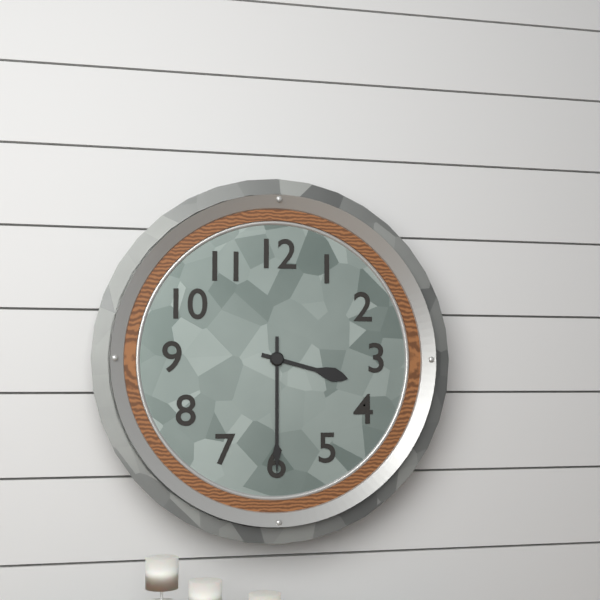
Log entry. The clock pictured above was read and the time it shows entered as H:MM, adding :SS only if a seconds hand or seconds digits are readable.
3:30
